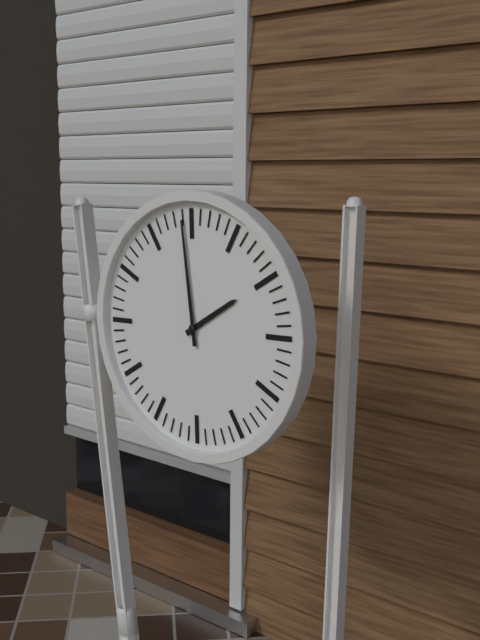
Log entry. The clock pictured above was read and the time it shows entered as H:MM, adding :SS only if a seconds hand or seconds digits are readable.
1:59
